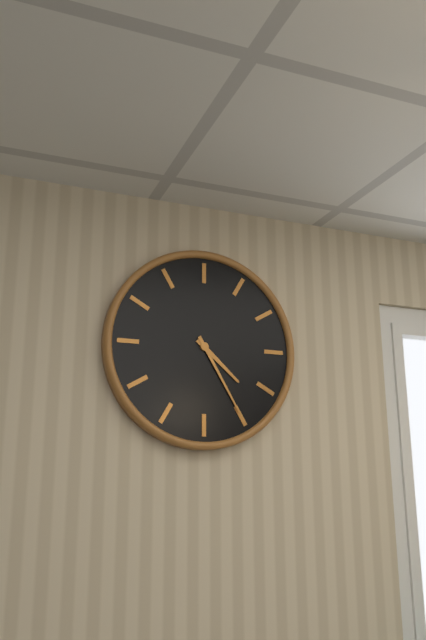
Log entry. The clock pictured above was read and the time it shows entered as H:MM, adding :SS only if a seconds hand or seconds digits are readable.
4:25
